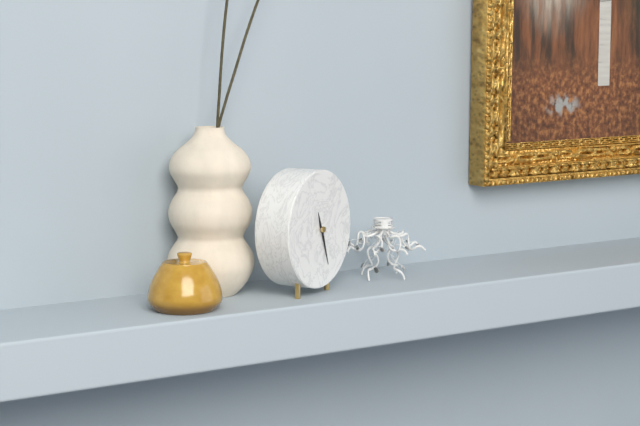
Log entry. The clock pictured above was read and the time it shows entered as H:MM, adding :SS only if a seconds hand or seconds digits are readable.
11:27
